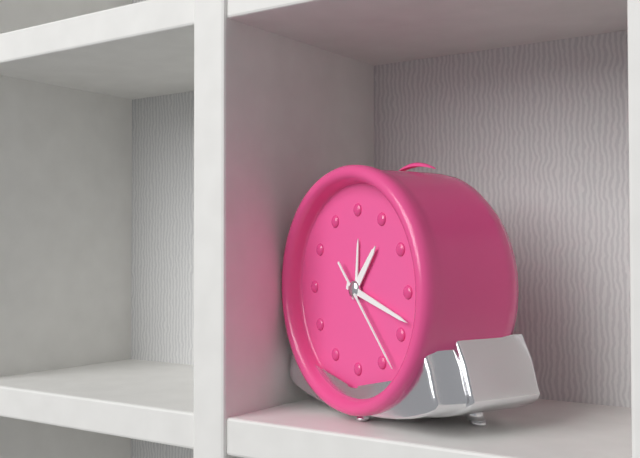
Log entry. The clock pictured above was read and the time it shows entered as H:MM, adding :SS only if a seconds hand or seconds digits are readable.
1:18:23
